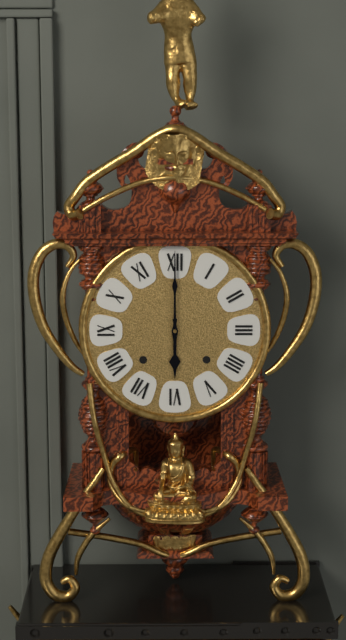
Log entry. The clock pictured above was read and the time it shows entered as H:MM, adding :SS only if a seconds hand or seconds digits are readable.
6:00
